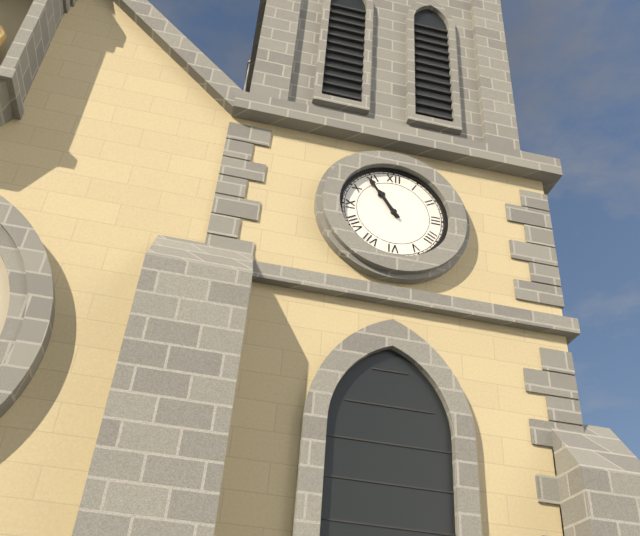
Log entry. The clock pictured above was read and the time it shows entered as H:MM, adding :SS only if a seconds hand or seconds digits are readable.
10:54
